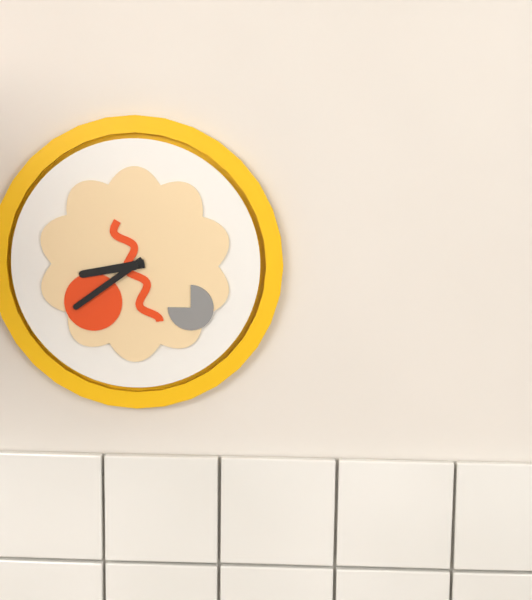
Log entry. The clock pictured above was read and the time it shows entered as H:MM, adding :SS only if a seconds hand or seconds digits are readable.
8:39
